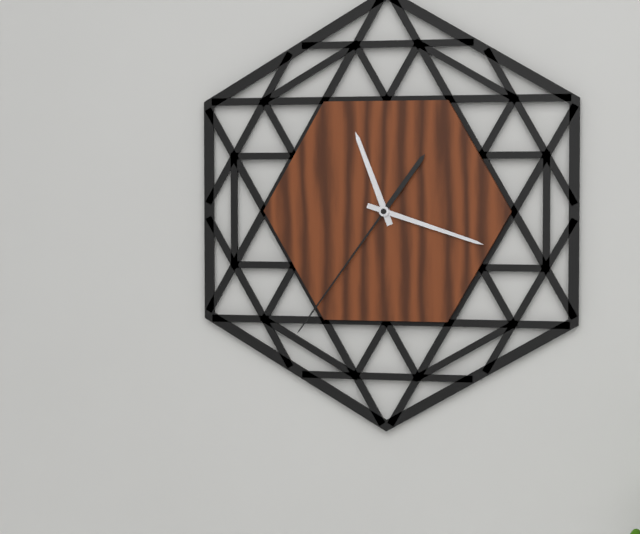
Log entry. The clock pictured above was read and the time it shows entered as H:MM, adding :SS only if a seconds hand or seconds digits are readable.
11:18:36
